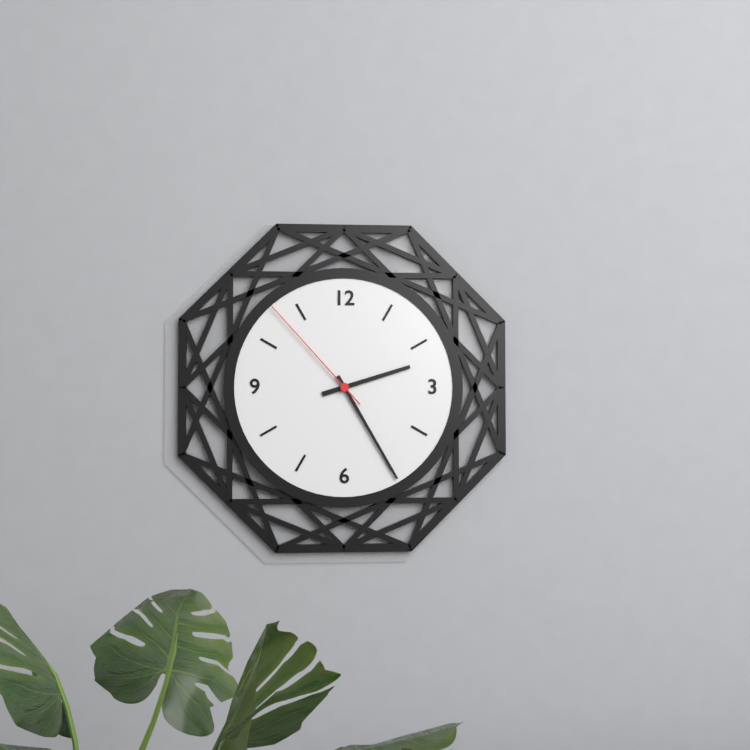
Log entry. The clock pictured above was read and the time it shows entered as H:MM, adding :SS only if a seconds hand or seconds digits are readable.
2:25:53
